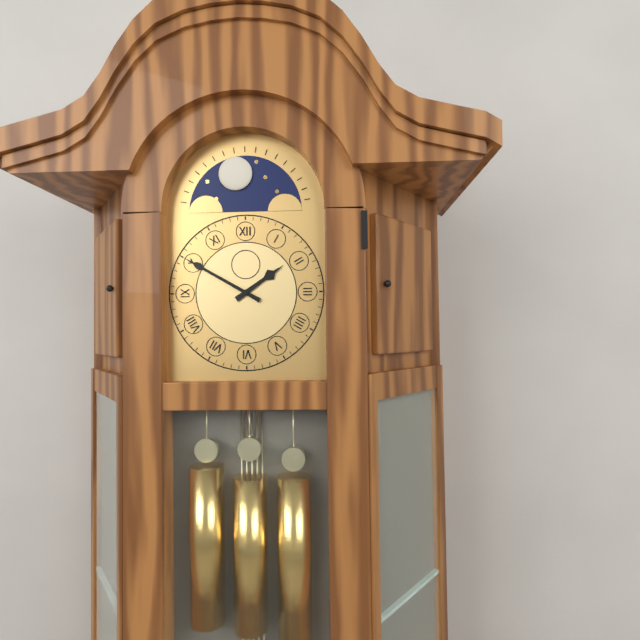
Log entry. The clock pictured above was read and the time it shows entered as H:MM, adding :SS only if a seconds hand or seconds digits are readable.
1:50
